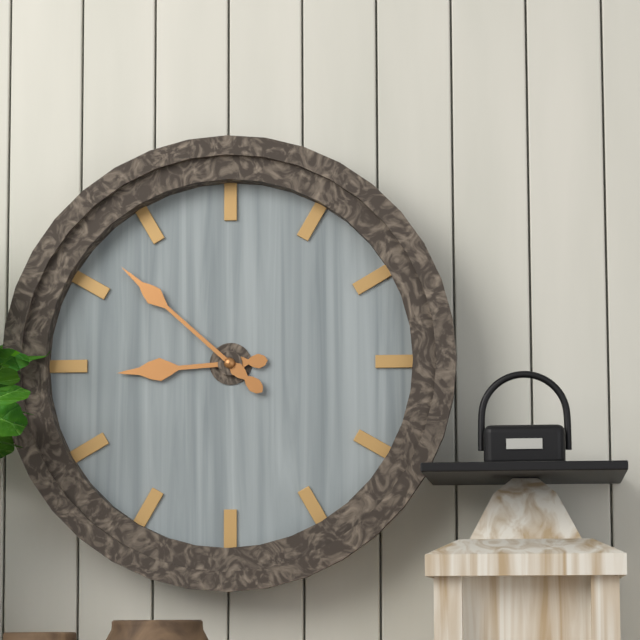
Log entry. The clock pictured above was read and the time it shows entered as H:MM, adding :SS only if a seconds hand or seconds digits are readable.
8:52
